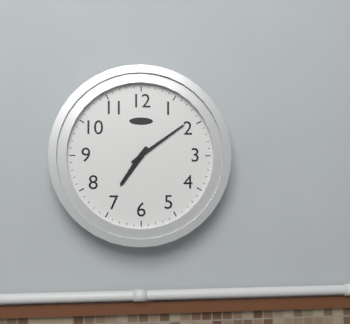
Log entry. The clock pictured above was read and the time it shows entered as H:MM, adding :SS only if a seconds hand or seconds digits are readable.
7:09
